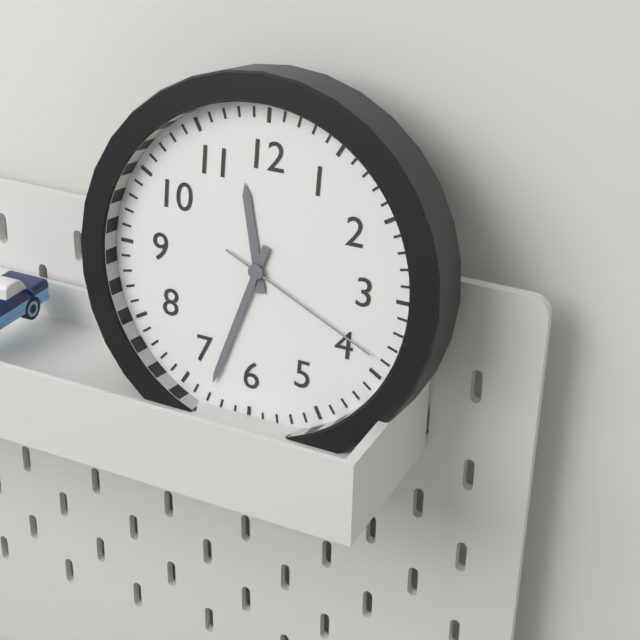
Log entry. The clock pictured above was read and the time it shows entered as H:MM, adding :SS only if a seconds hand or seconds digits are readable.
11:33:19
